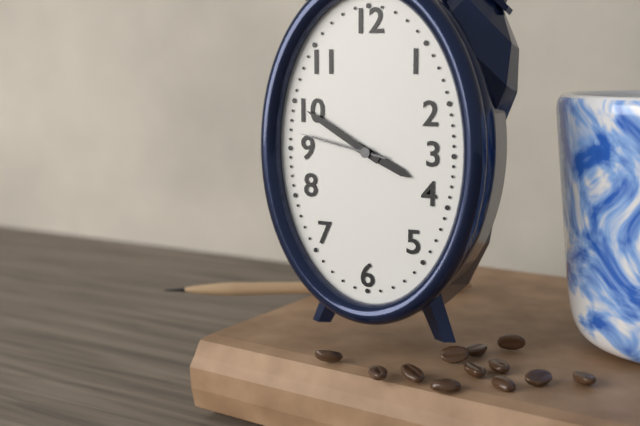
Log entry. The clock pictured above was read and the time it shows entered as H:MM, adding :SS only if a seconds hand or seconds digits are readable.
3:50:47
